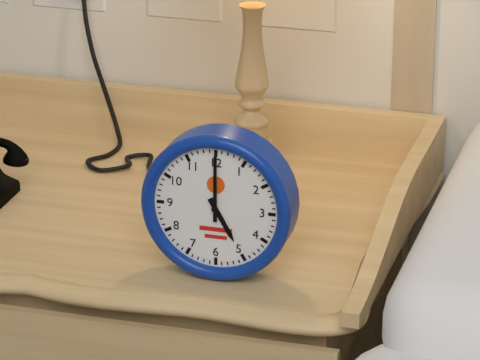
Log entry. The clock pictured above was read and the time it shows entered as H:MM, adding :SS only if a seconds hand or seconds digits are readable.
5:00
